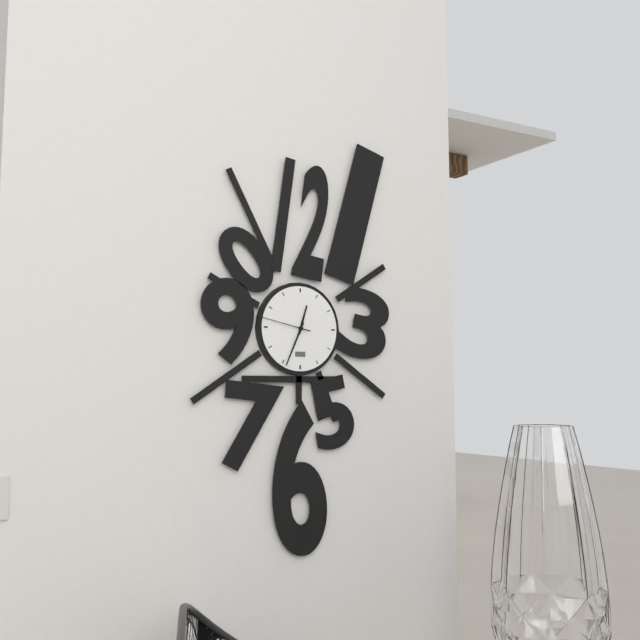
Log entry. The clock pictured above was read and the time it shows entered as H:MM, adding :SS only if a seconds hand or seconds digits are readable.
12:34:47
